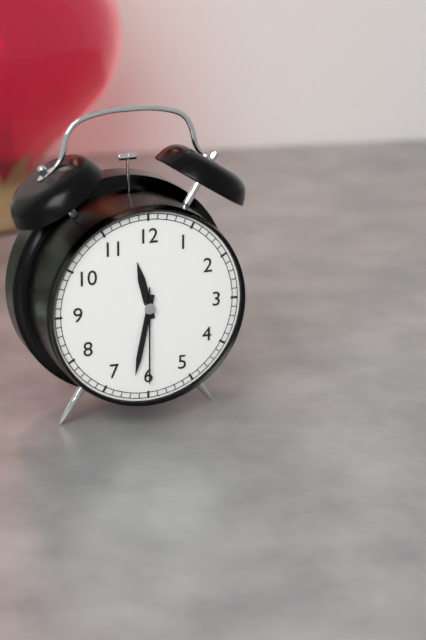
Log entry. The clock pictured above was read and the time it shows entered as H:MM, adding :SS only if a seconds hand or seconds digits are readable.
11:32:30
